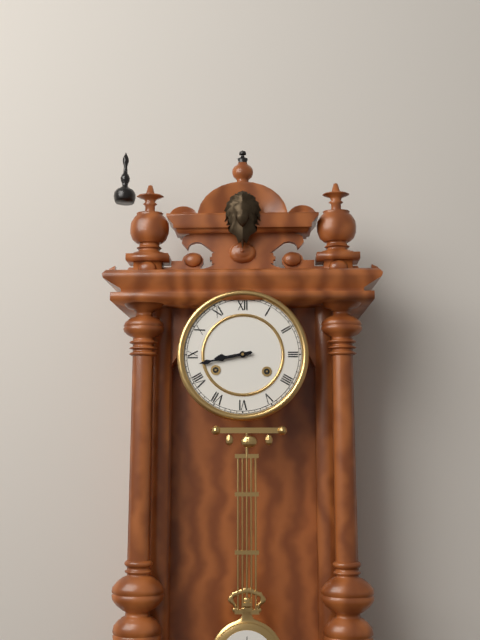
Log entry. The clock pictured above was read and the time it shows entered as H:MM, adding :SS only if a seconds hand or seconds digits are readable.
8:43
